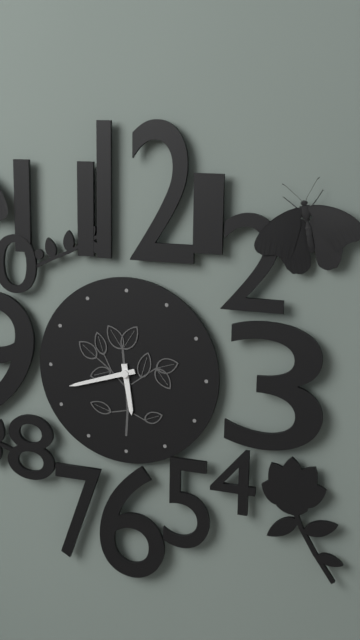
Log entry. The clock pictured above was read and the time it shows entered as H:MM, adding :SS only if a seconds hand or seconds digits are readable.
5:42
